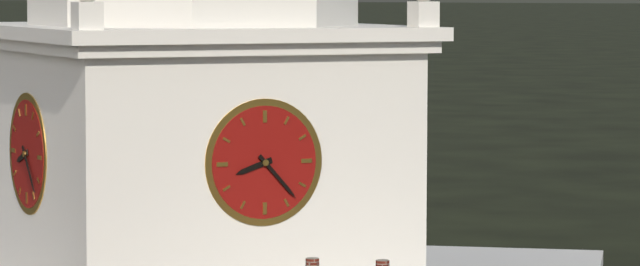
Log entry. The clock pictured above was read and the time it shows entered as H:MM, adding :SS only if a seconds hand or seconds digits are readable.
8:23
